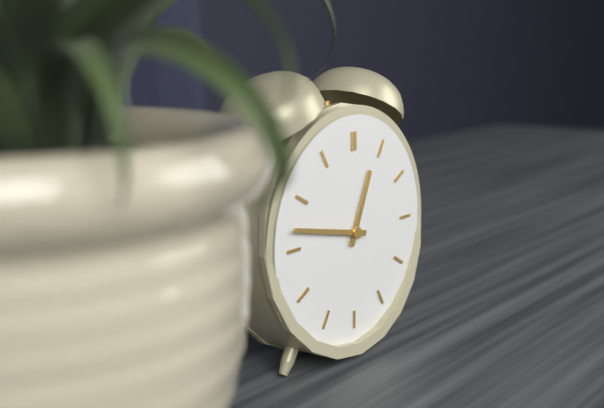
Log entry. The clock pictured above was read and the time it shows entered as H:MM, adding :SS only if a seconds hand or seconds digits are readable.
12:47
